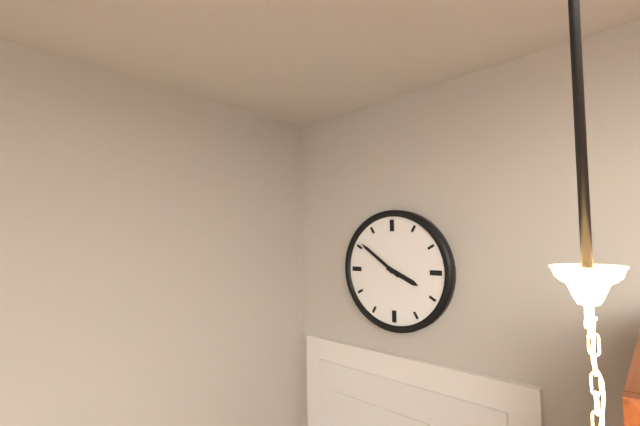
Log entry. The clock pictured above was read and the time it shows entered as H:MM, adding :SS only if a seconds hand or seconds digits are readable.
3:51
